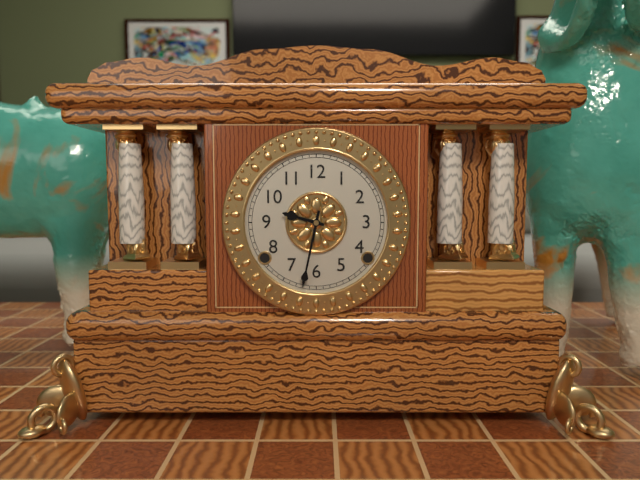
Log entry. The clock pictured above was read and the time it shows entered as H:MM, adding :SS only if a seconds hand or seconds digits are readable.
9:32
